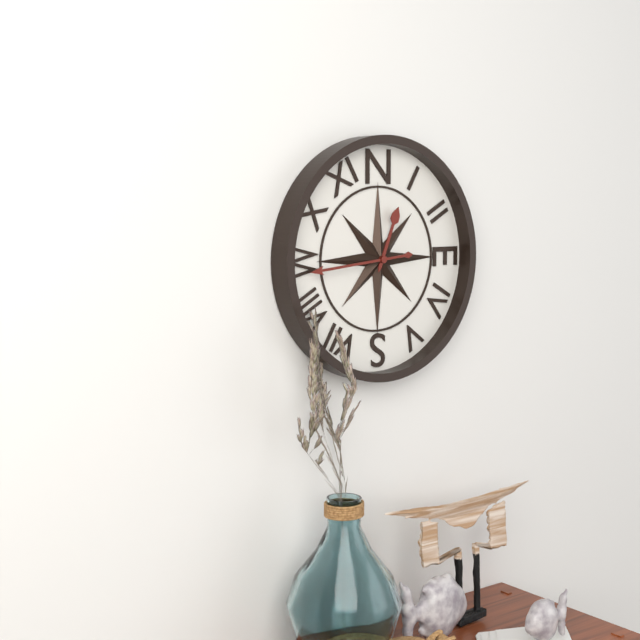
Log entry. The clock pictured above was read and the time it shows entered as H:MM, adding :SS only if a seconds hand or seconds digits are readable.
12:44
